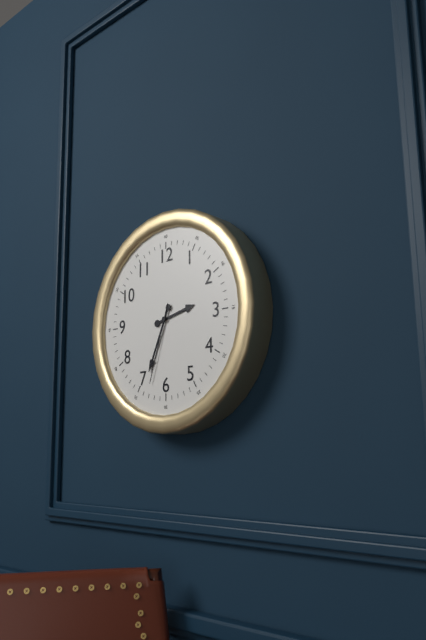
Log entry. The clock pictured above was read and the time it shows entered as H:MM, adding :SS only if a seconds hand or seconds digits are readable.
2:34:33
